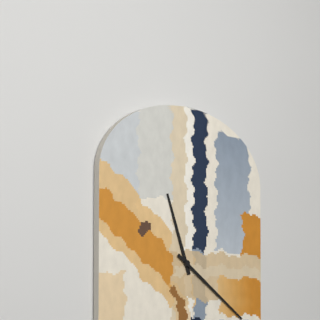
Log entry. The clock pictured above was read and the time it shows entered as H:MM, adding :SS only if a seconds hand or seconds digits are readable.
11:21
